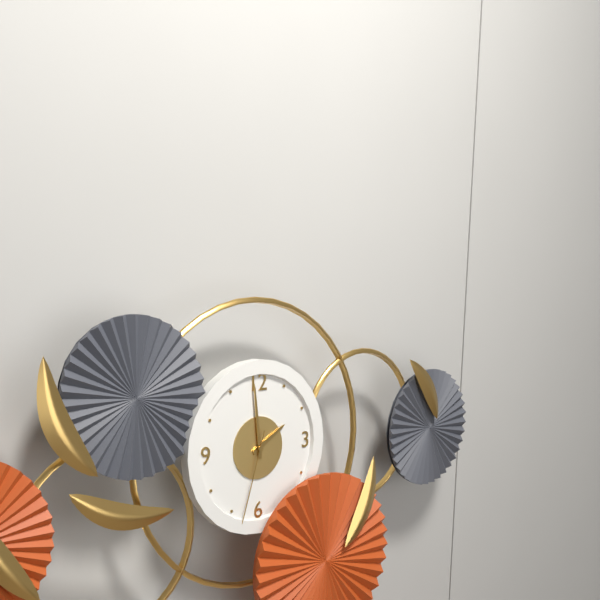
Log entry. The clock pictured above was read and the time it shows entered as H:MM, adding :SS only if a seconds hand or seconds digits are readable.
1:59:33
